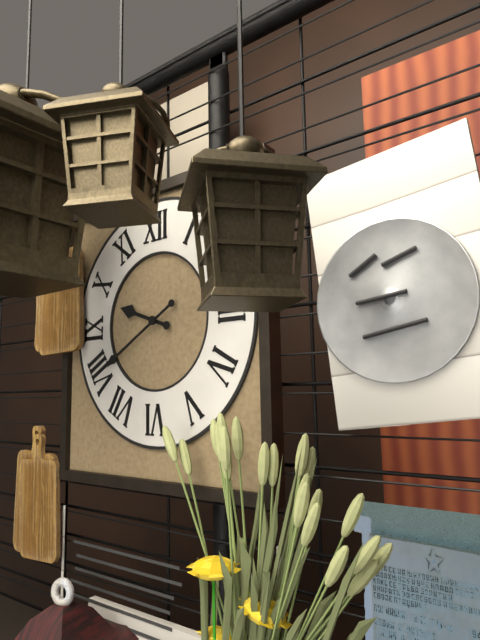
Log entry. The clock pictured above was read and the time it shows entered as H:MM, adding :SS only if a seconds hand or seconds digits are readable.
9:40
